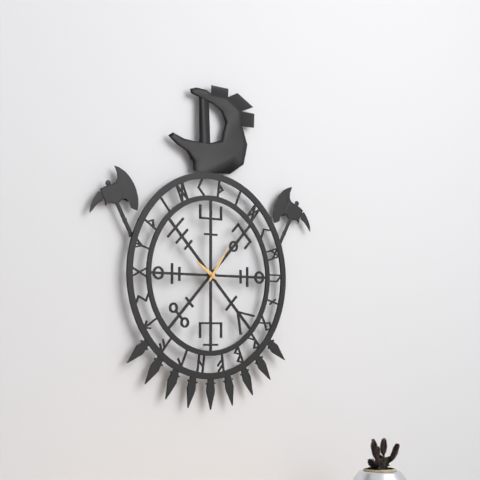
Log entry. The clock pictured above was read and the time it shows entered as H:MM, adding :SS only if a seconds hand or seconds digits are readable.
10:06
